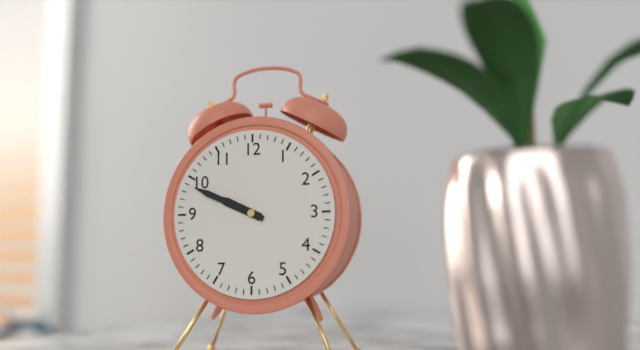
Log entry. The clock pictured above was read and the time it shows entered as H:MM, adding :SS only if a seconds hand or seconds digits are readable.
9:49
